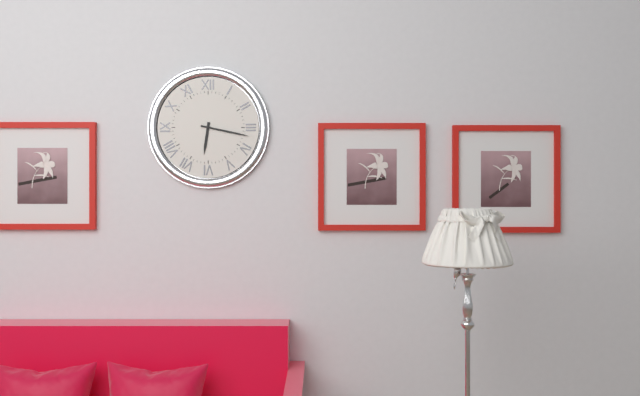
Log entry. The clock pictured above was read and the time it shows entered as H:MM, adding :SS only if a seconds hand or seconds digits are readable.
6:17
